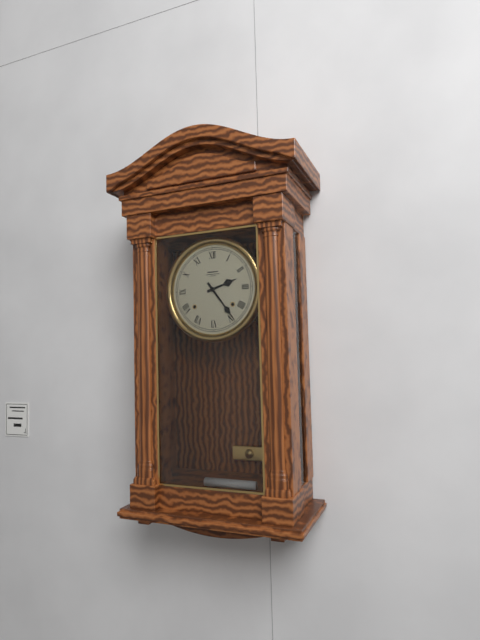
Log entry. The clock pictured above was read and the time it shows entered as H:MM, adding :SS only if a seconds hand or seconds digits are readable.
2:24
